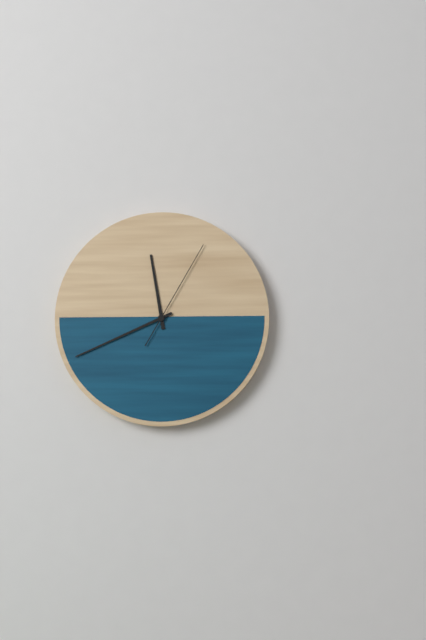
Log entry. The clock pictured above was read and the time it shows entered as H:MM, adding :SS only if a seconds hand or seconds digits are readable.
11:41:05
